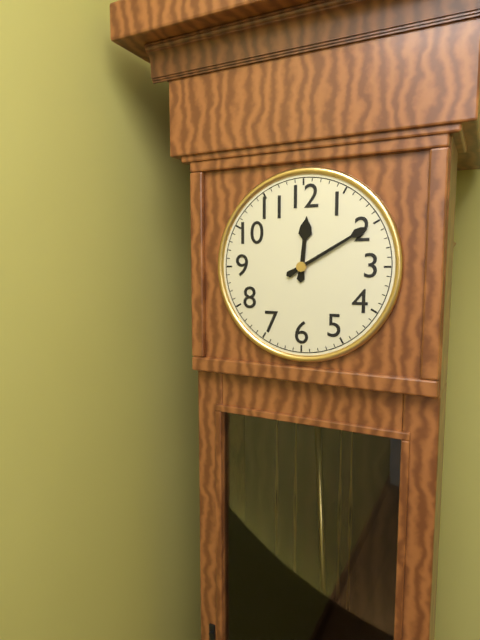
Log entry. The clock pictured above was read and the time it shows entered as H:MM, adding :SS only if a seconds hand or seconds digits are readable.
12:10
